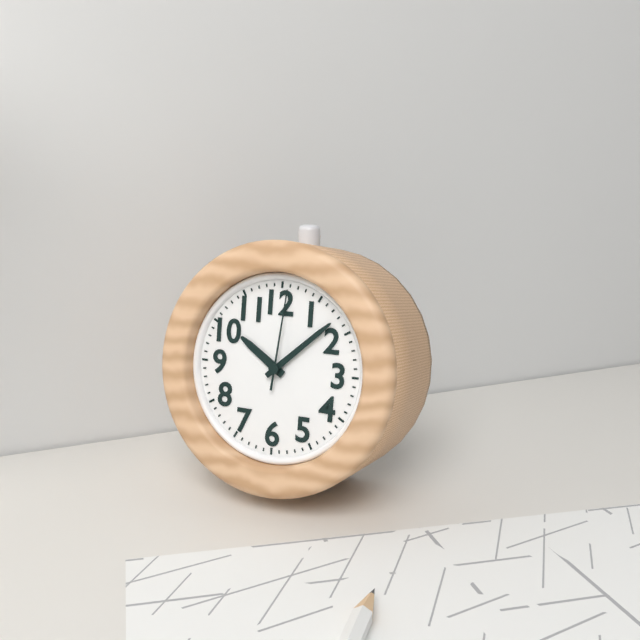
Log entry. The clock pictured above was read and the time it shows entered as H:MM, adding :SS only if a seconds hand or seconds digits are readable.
10:08:01
